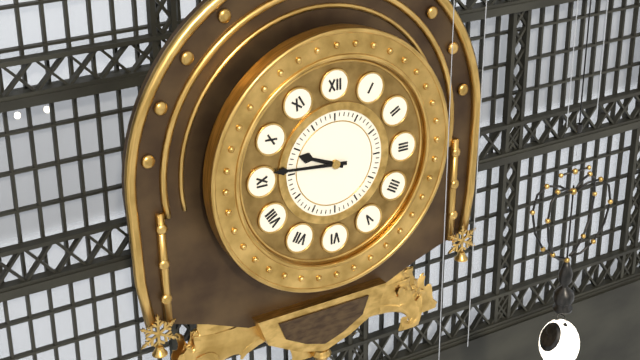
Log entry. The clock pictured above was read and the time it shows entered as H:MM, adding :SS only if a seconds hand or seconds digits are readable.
9:46
